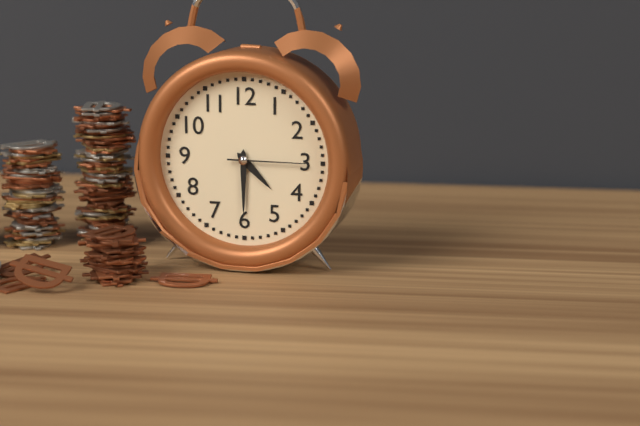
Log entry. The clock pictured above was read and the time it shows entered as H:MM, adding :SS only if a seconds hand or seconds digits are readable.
4:30:15
